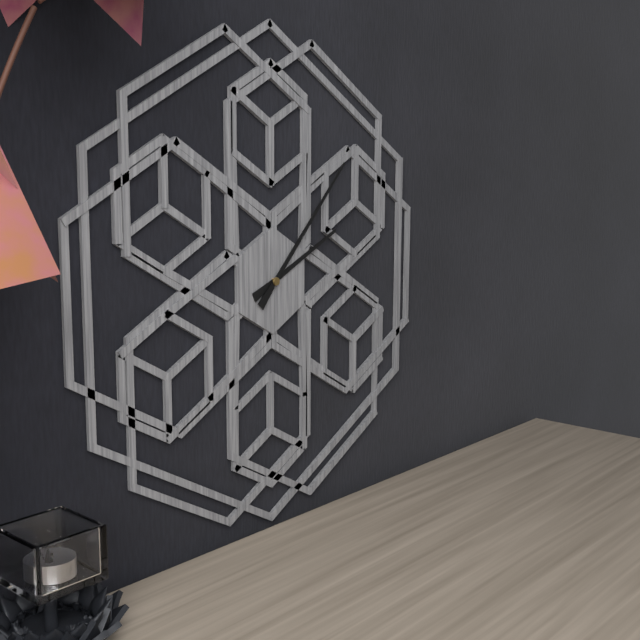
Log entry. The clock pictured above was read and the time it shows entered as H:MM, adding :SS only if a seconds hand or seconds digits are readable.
2:07
